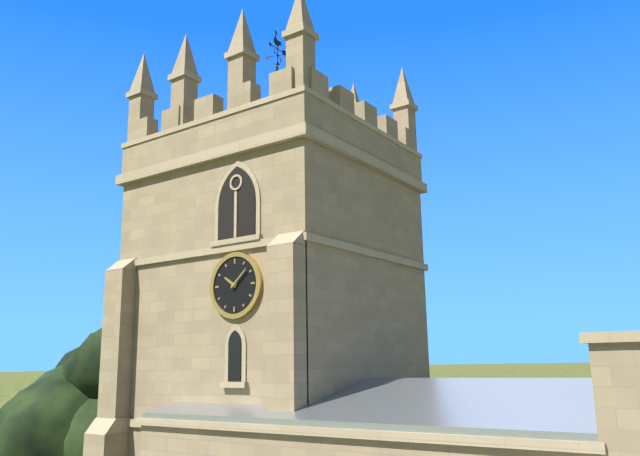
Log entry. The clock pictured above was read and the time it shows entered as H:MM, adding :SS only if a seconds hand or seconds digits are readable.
10:08
